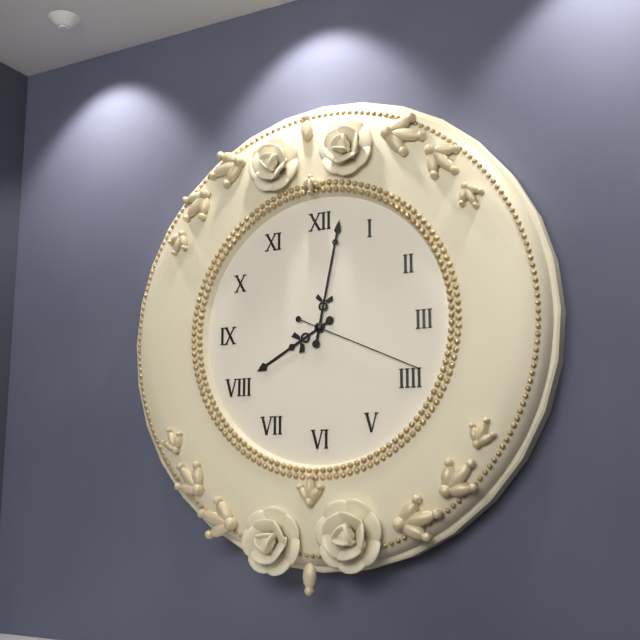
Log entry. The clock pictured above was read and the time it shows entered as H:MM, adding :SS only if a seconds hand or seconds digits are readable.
8:02:19
